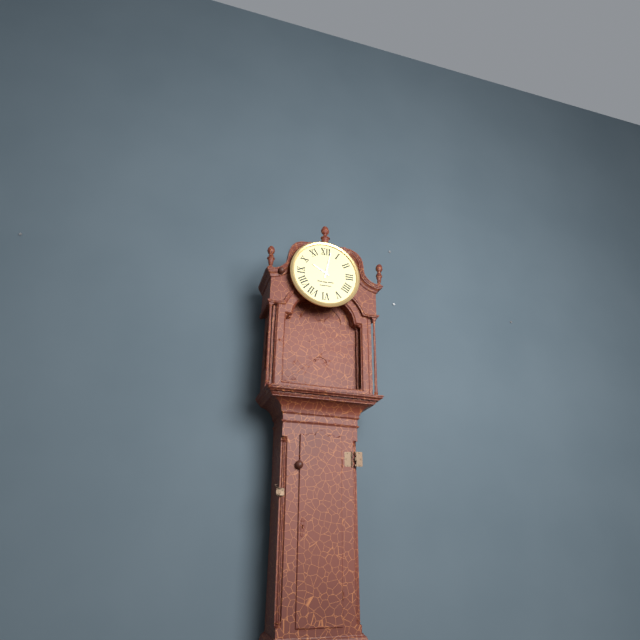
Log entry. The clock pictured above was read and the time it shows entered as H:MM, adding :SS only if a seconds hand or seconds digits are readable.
10:02
